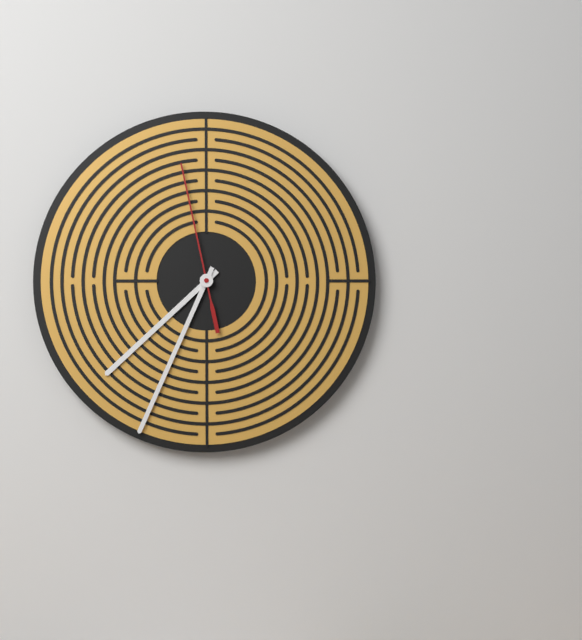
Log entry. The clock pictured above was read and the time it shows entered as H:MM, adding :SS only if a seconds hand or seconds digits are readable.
7:34:58
